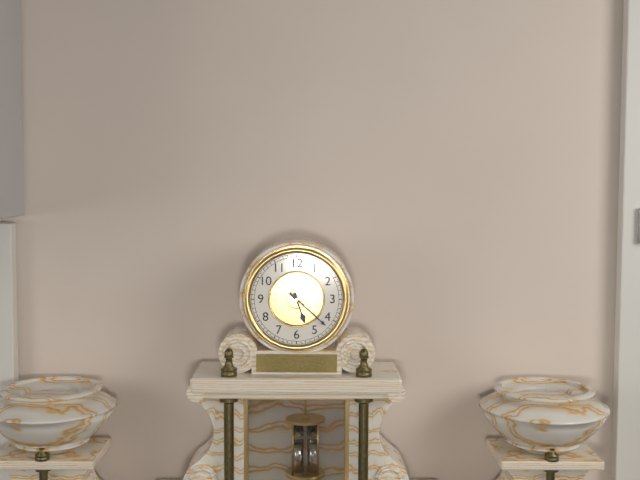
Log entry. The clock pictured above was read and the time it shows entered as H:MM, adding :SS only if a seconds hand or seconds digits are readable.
5:22
